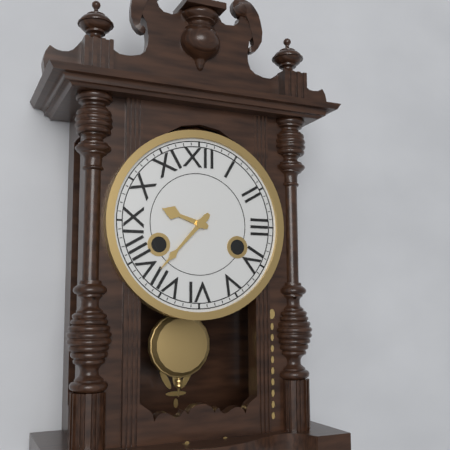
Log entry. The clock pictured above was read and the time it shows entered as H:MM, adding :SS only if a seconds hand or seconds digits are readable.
9:37
